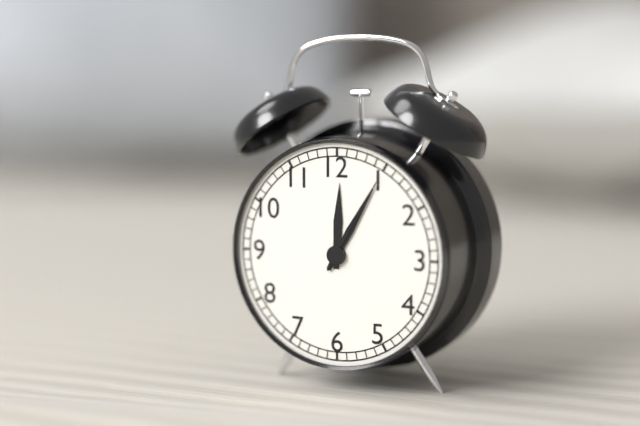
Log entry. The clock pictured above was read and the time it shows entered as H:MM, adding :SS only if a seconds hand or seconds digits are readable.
12:05:05
